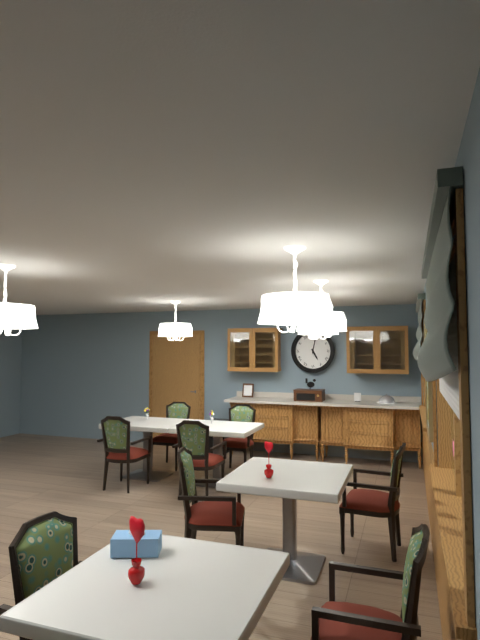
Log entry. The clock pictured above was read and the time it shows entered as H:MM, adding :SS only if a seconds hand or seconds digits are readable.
5:02
